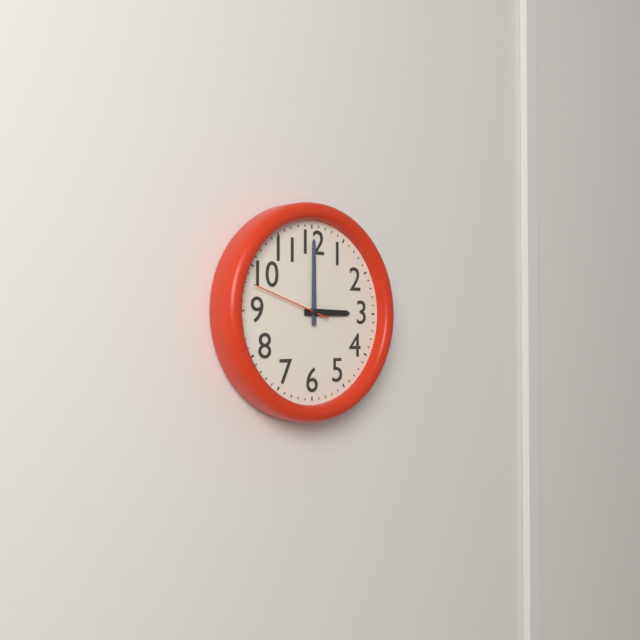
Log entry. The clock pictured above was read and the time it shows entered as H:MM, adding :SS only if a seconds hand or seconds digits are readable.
3:00:48
